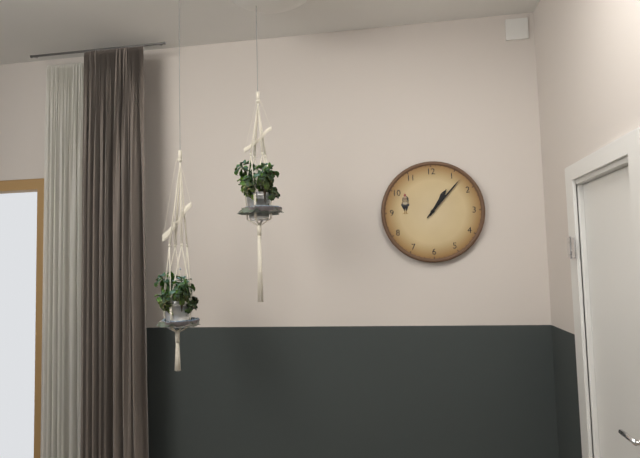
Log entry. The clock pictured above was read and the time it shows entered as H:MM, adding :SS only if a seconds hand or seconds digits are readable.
1:07
